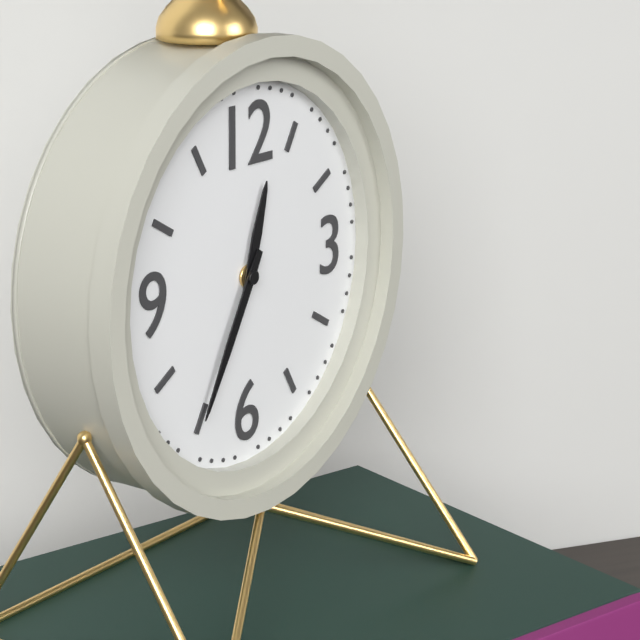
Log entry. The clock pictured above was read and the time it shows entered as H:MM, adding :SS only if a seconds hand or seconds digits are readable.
12:35
